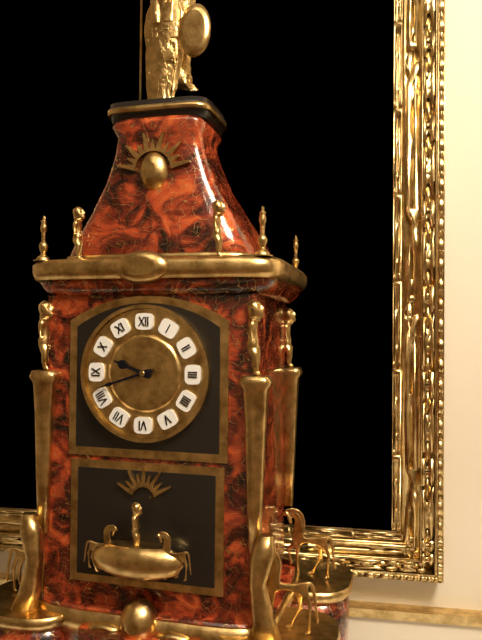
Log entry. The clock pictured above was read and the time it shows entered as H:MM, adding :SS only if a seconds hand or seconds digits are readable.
9:42
